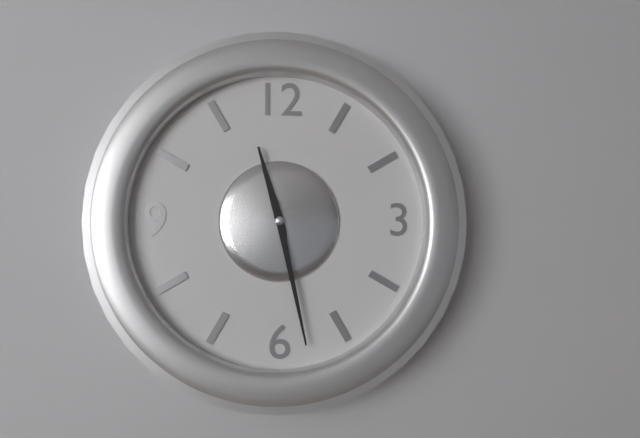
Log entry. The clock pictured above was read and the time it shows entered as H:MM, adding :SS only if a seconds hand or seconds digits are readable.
11:28
